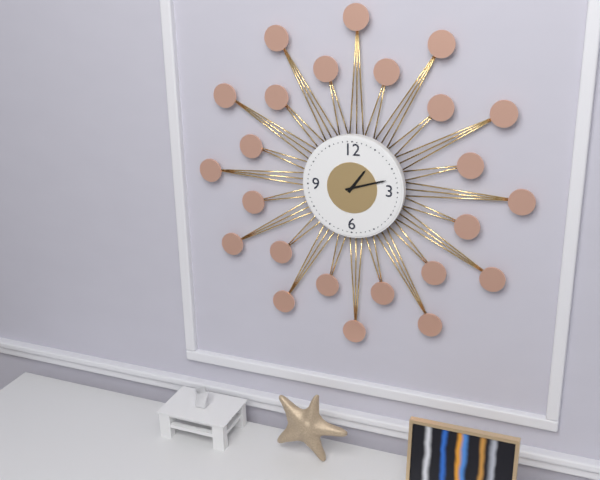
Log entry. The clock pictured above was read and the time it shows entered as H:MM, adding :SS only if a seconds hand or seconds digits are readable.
1:12
